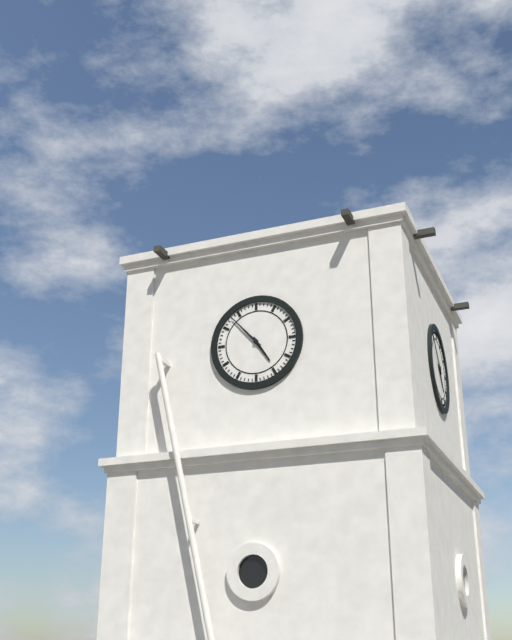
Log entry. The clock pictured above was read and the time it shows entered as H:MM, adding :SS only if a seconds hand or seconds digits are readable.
4:53
